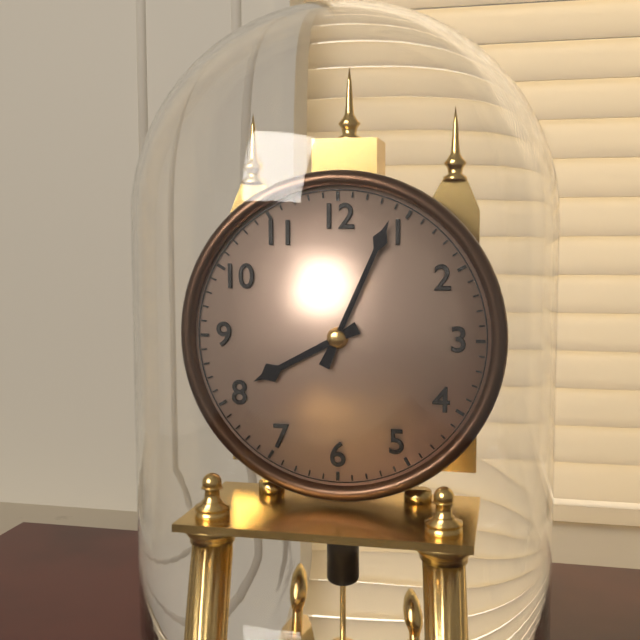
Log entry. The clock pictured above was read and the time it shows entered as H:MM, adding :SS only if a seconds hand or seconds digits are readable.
8:04
